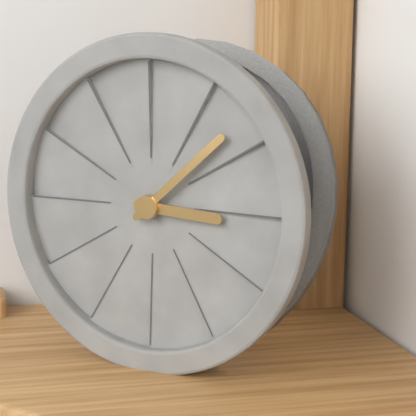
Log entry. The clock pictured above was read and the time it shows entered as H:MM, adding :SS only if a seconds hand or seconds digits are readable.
3:08
